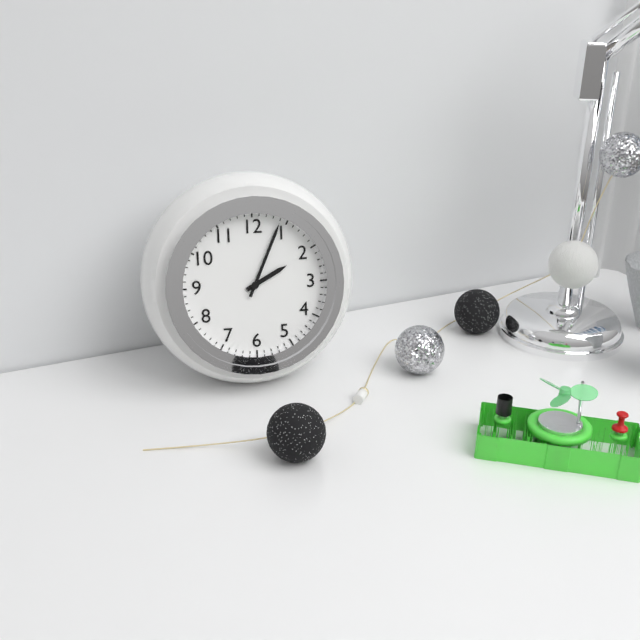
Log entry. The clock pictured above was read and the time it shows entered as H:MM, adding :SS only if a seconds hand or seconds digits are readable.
2:04
